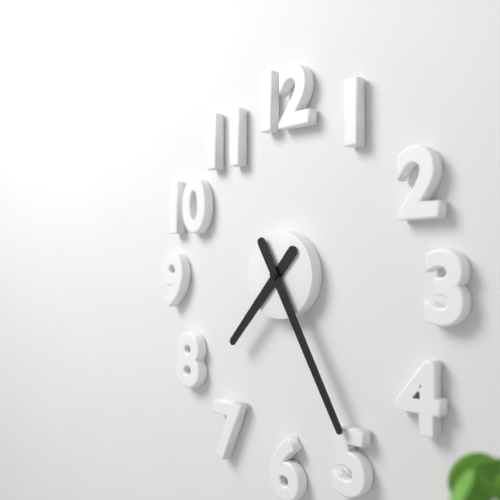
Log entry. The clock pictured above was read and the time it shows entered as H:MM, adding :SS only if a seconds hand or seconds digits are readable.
7:25
